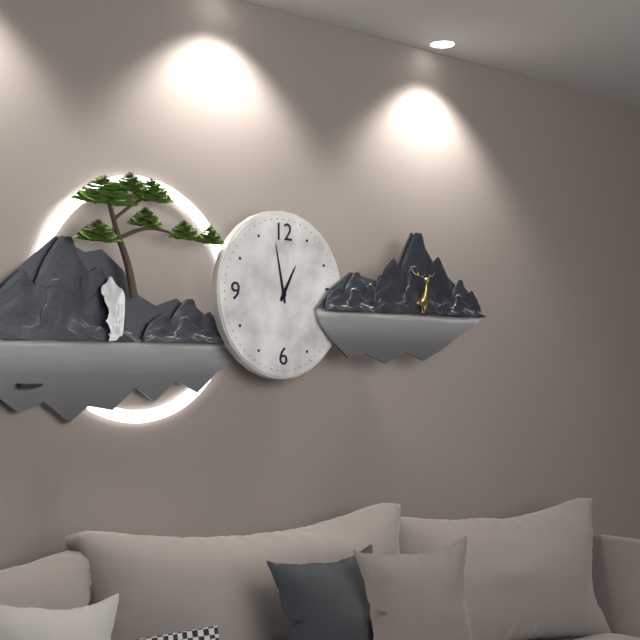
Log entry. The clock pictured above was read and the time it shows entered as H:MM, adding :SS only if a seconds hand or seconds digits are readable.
12:58
